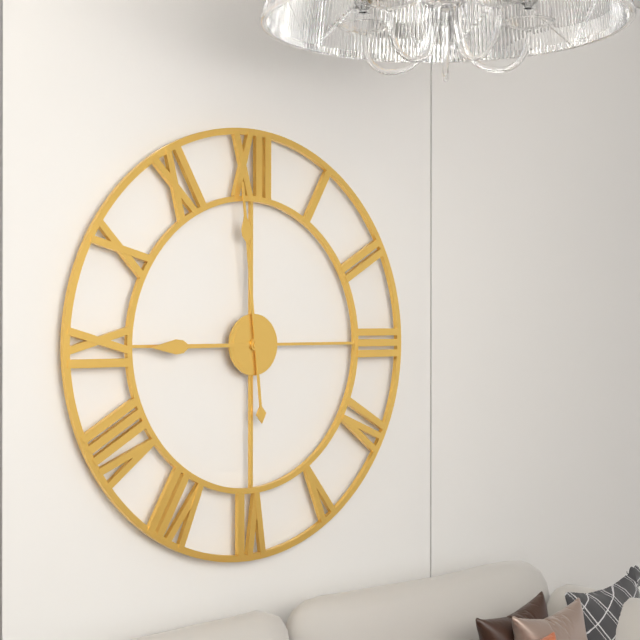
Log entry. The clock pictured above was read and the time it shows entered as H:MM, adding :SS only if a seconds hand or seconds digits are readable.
8:59
